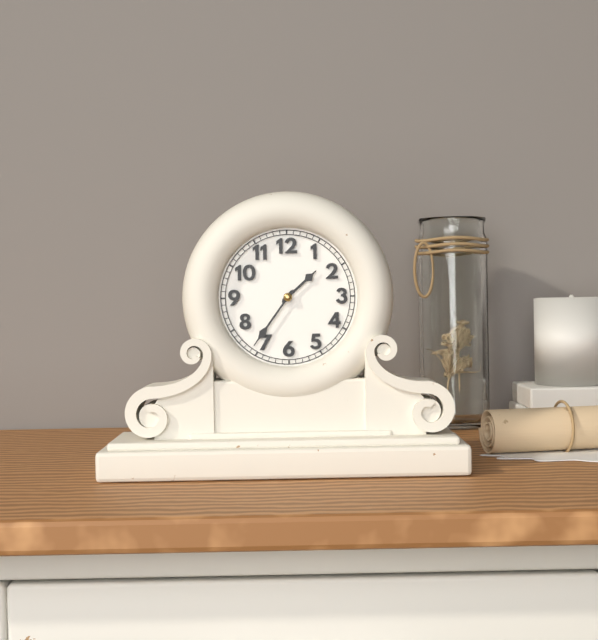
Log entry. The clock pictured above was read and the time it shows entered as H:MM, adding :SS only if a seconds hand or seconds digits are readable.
1:36
